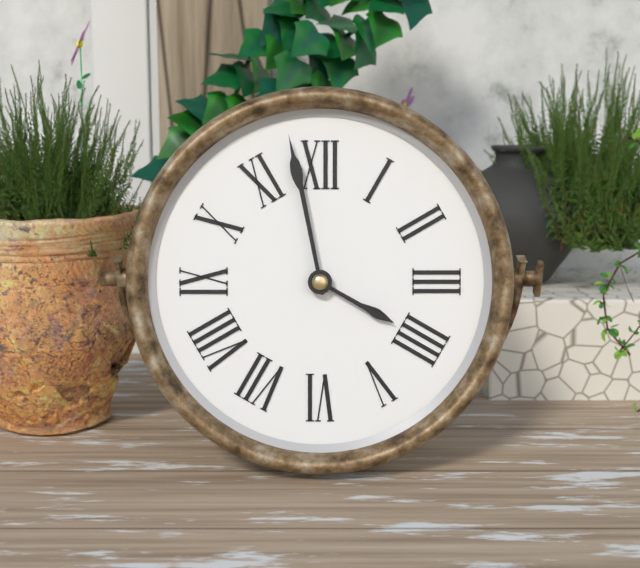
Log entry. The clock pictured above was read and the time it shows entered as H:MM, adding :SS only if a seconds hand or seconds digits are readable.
3:58
